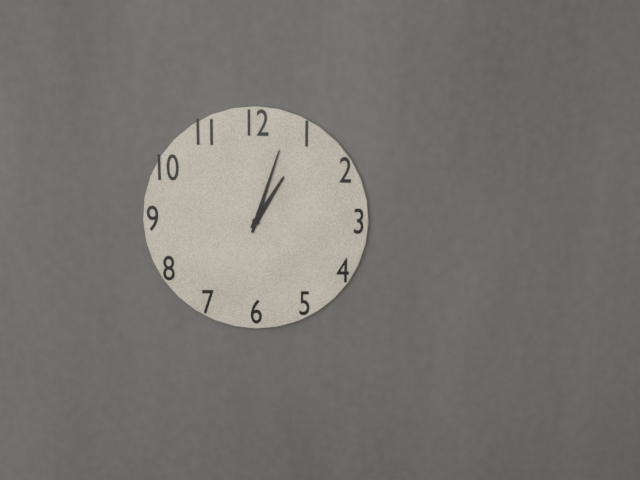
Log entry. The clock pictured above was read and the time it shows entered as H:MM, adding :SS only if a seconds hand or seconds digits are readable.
1:03
